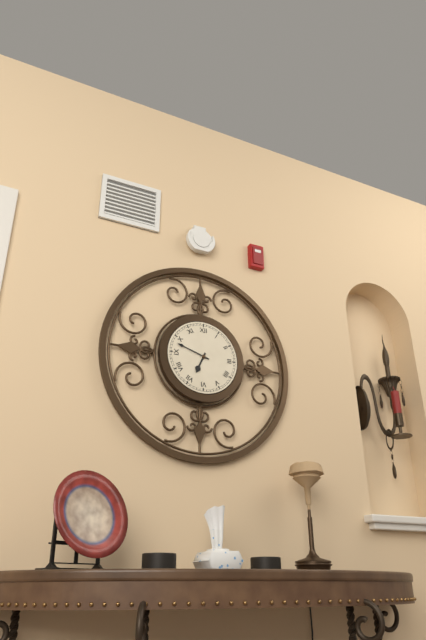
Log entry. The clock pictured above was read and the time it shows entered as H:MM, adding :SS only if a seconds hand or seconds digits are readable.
6:48
